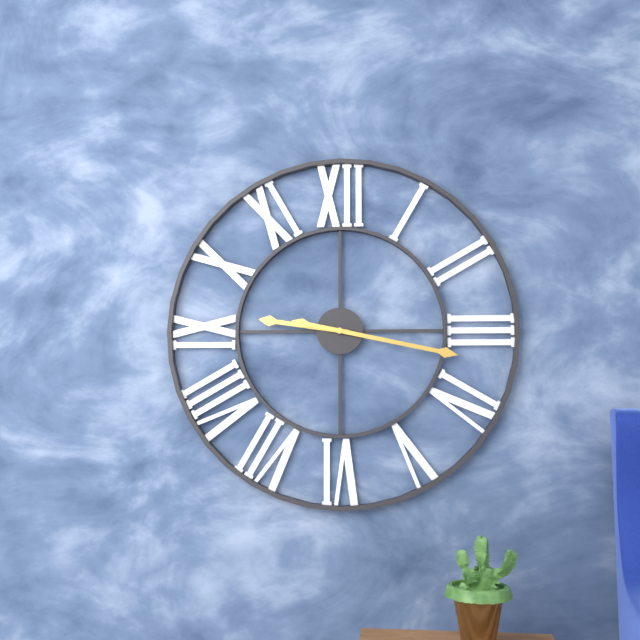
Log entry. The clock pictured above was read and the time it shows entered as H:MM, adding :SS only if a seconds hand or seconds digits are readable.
9:17
